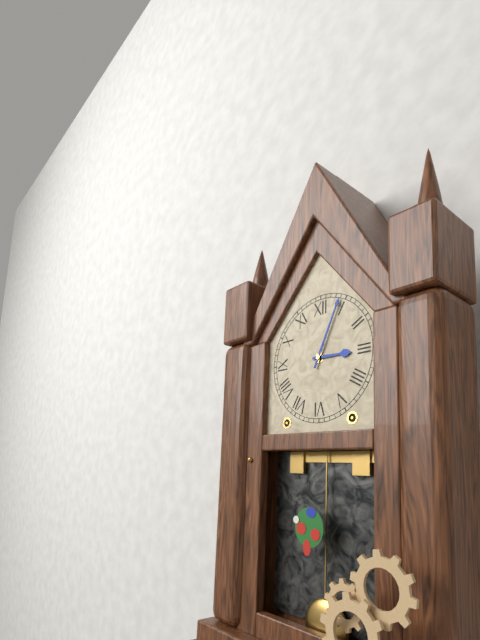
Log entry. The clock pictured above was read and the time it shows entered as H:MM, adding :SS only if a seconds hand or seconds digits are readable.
3:04
